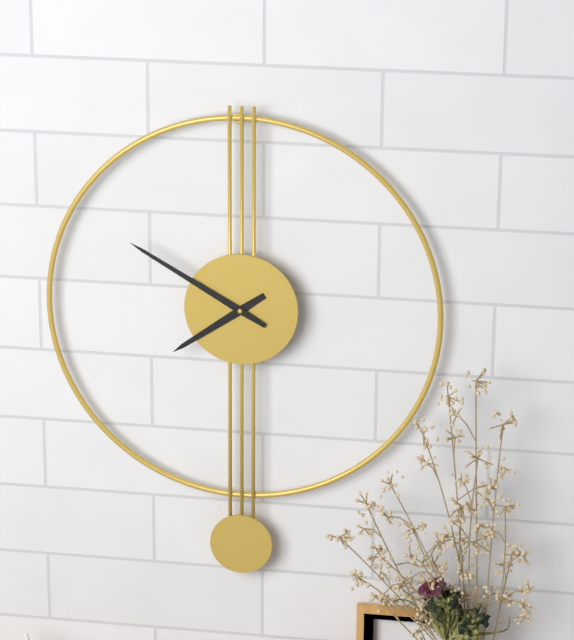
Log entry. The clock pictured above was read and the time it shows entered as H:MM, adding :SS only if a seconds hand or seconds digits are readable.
7:50
